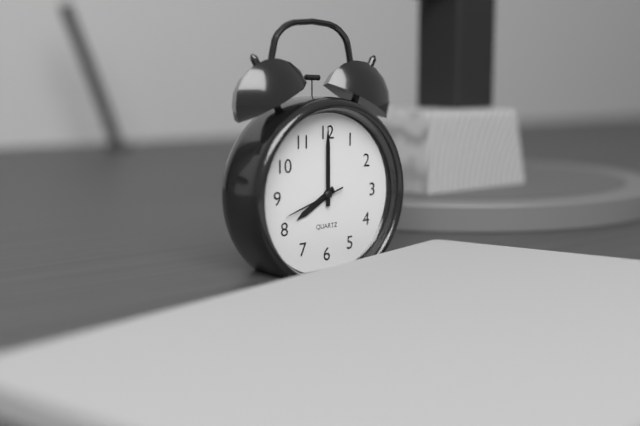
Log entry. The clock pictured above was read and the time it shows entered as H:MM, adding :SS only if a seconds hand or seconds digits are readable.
8:00:42
